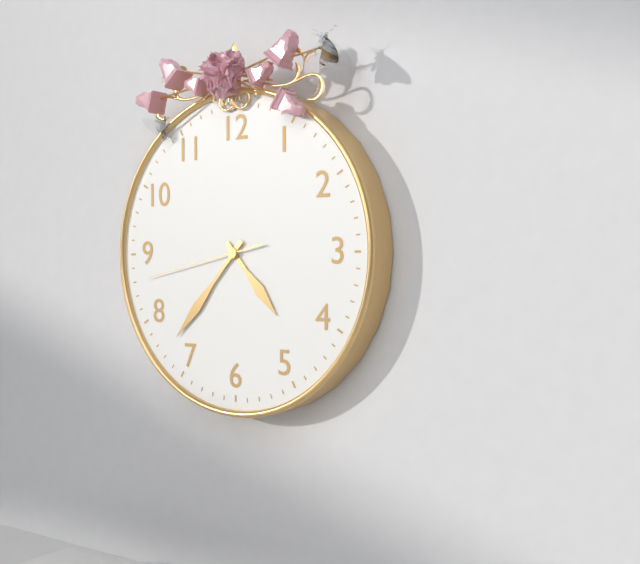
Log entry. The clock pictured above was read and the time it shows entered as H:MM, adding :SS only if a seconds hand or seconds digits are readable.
4:37:43
